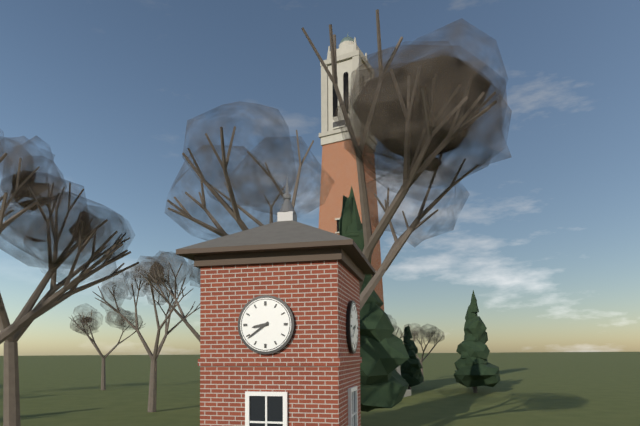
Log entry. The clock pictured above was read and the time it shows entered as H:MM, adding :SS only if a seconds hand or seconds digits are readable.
8:39
